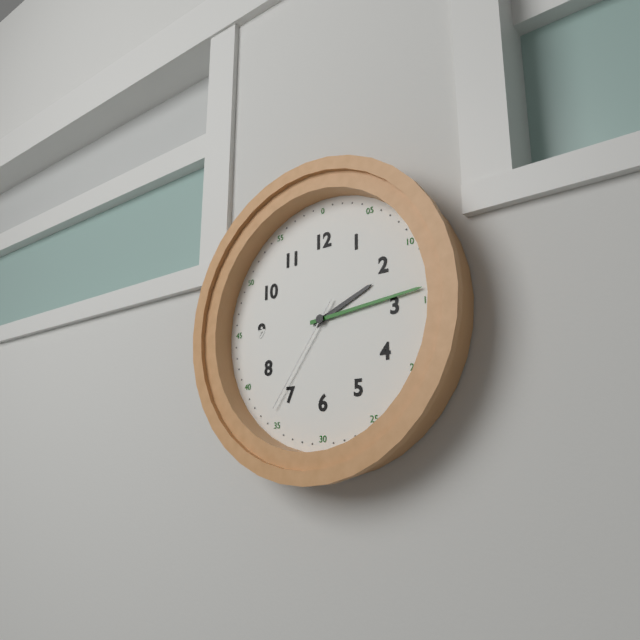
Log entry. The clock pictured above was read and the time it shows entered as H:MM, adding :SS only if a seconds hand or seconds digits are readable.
2:14:36
